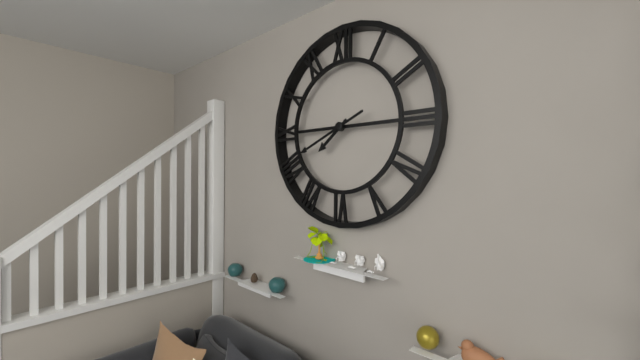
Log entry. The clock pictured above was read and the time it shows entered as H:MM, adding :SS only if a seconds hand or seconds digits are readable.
7:41
